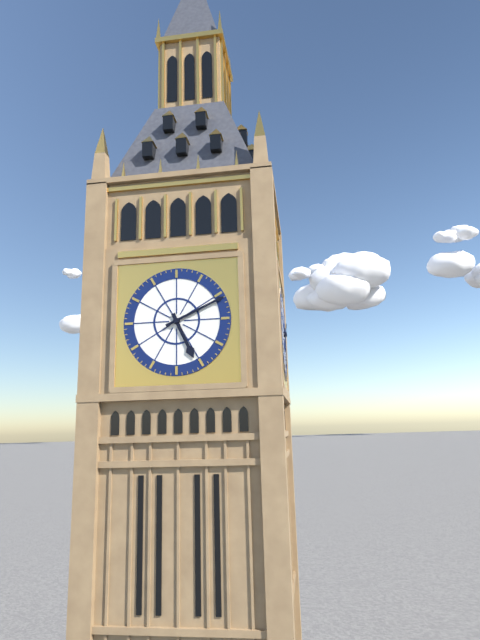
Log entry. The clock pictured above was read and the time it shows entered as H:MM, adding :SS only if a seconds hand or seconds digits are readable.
5:11
